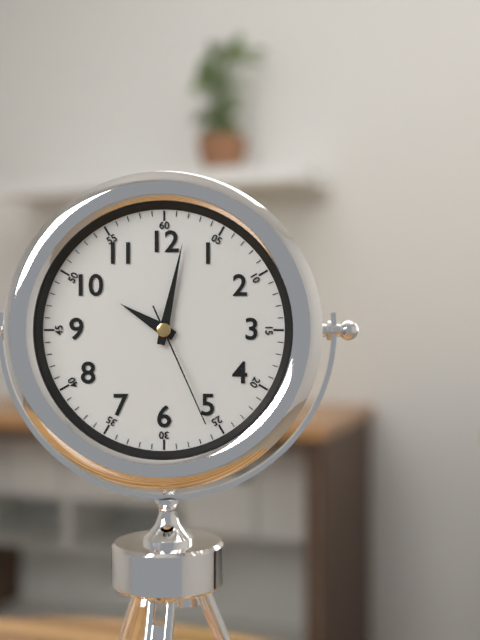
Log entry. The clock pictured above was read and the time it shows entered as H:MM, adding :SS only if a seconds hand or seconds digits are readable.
10:02:26
